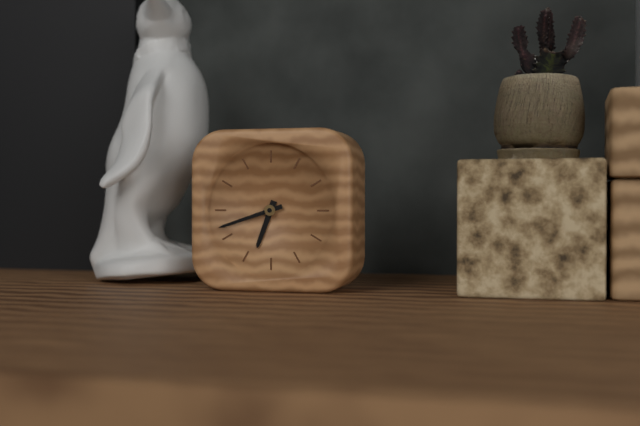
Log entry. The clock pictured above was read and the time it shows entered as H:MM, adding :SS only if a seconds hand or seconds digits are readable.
6:42
